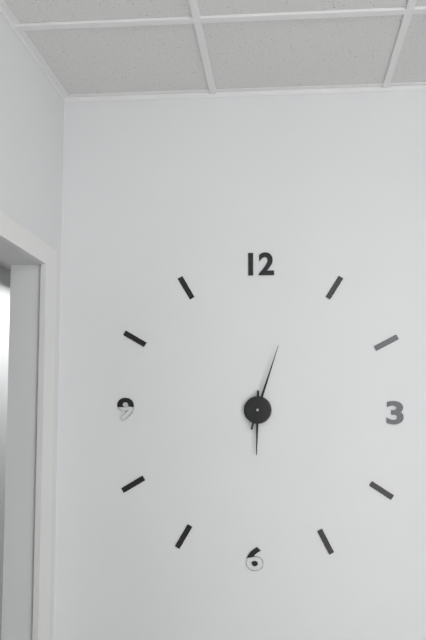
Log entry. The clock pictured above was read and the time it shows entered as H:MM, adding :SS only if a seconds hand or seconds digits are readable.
6:03
